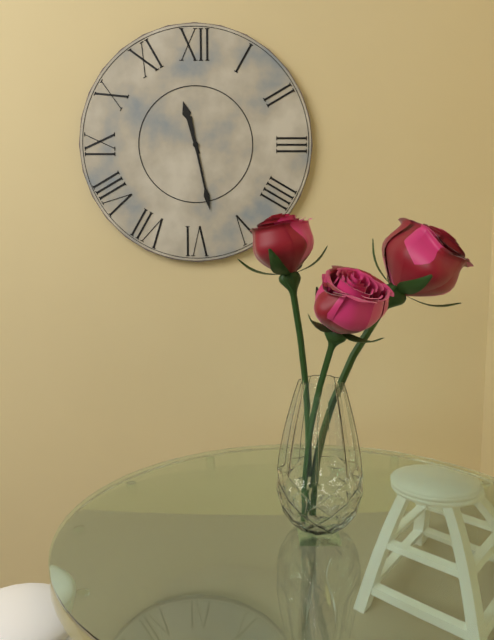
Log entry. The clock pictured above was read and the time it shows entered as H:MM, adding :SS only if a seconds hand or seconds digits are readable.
11:28
